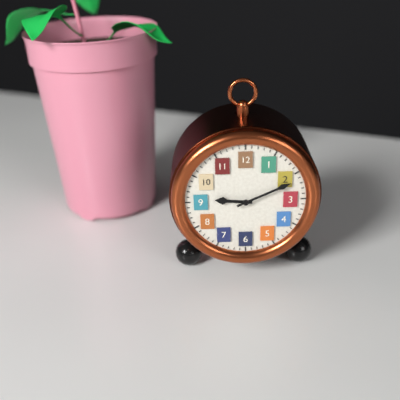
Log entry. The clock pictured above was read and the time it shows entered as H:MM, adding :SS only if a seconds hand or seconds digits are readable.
9:11
